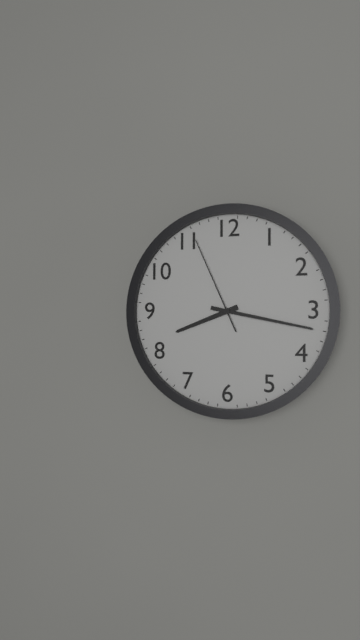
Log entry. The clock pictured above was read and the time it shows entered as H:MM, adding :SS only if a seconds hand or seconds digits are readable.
8:17:56
